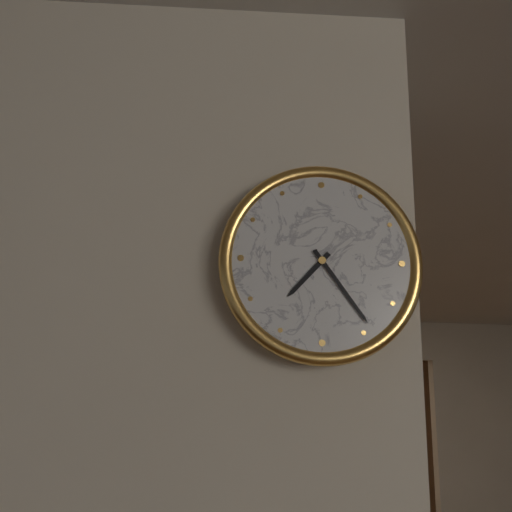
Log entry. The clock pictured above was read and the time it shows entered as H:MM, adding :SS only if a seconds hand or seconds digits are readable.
7:24
